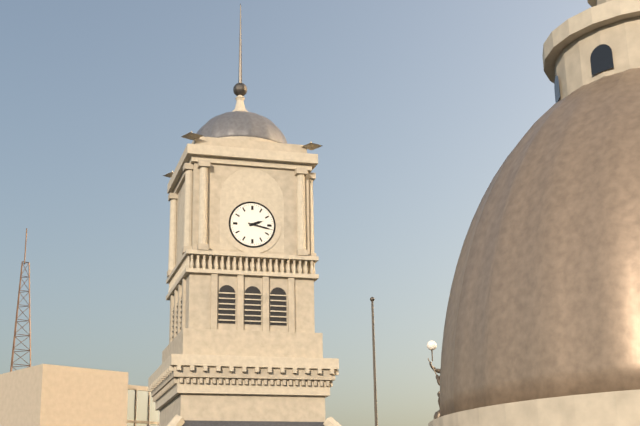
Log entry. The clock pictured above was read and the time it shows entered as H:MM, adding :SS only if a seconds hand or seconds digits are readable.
2:17
